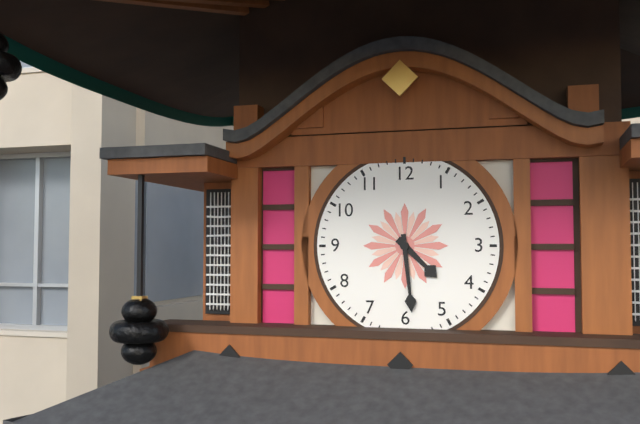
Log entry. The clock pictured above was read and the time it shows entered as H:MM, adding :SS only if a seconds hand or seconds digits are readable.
4:29
